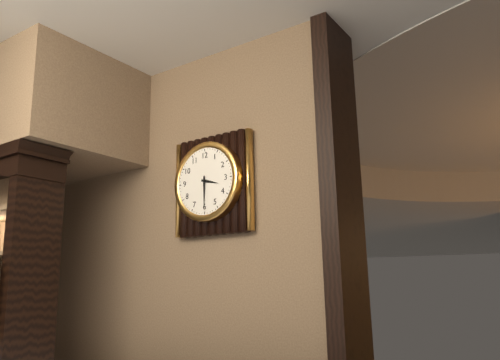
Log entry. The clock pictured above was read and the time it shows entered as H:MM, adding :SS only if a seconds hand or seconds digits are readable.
3:30
